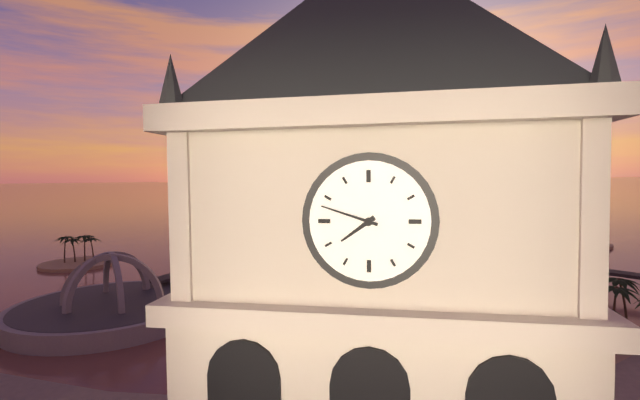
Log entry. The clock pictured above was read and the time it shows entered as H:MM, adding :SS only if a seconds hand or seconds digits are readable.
7:48
